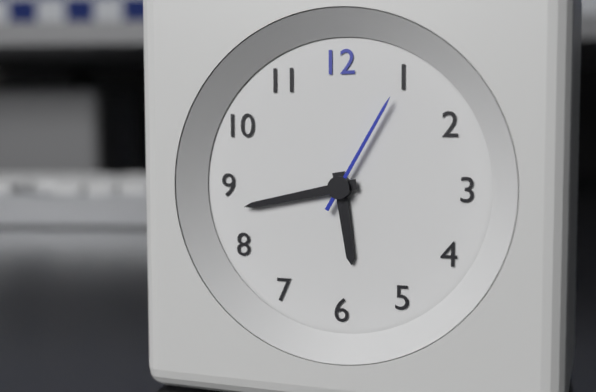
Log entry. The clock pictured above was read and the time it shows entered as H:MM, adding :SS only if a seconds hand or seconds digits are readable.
5:43:05
